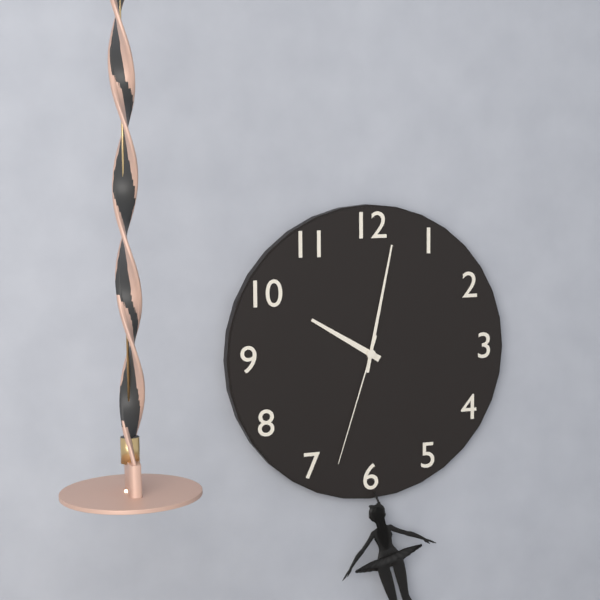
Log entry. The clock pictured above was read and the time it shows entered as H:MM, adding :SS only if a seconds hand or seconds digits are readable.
10:02:33
